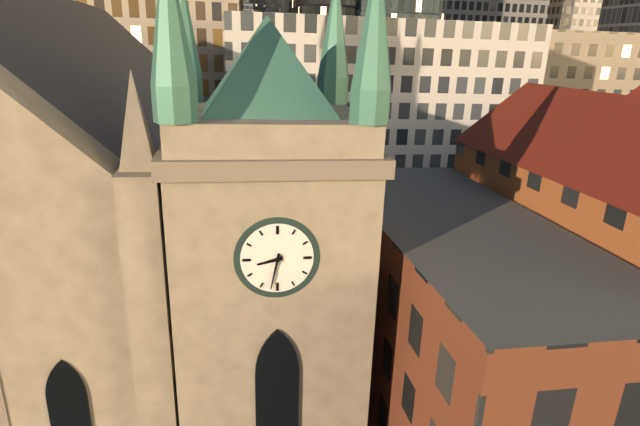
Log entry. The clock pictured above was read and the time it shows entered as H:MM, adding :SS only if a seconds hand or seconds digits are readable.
8:32
